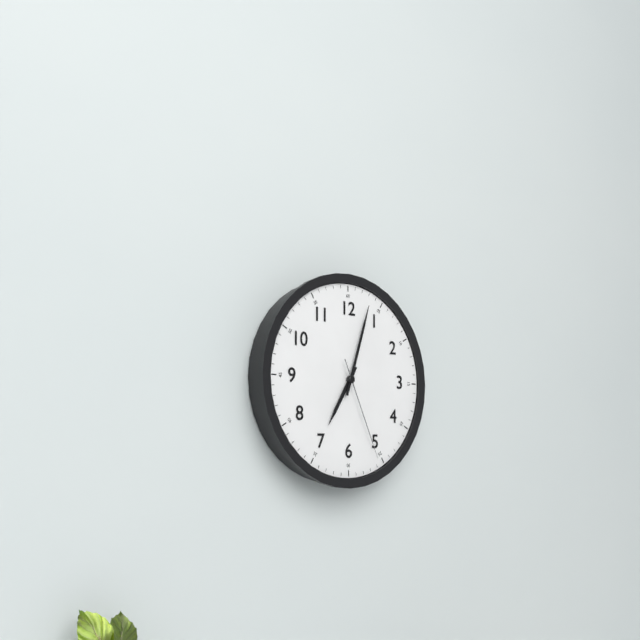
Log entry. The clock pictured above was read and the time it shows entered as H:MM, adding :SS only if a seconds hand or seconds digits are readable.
7:03:26
